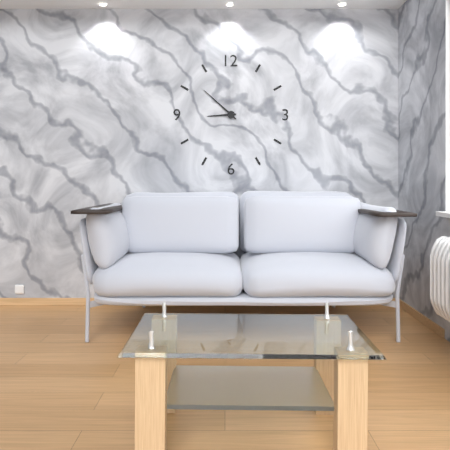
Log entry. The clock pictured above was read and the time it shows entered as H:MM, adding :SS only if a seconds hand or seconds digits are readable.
8:52
